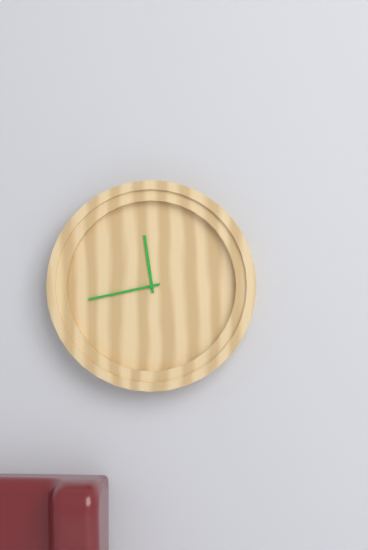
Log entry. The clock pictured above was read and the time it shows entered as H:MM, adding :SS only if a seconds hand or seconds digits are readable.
11:43
